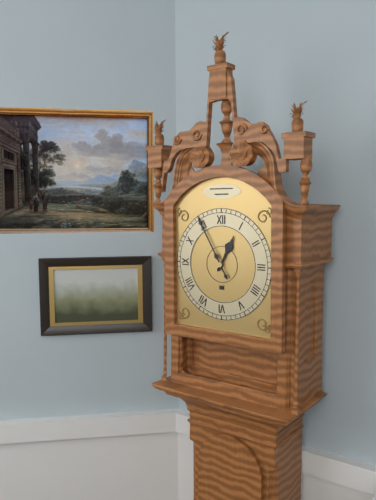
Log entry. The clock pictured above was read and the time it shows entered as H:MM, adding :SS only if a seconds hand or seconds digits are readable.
12:55
